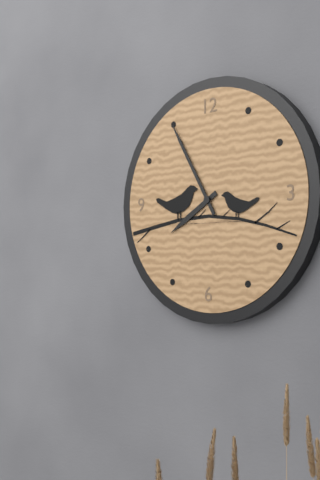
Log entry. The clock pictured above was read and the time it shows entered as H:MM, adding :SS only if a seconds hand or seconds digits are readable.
7:55
